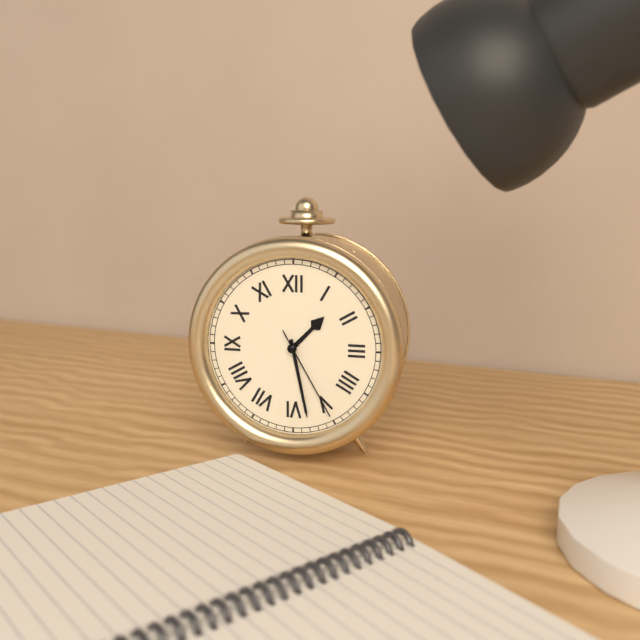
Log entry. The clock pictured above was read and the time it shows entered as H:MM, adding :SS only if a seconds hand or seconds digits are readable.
1:28:25
